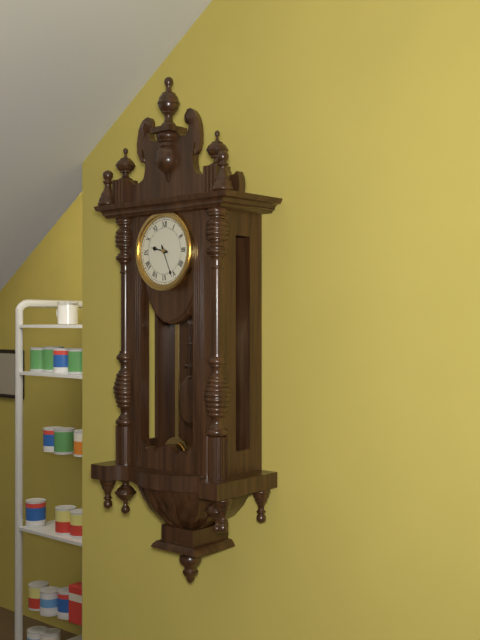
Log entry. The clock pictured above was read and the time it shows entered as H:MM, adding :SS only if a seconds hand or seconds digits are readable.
9:26
